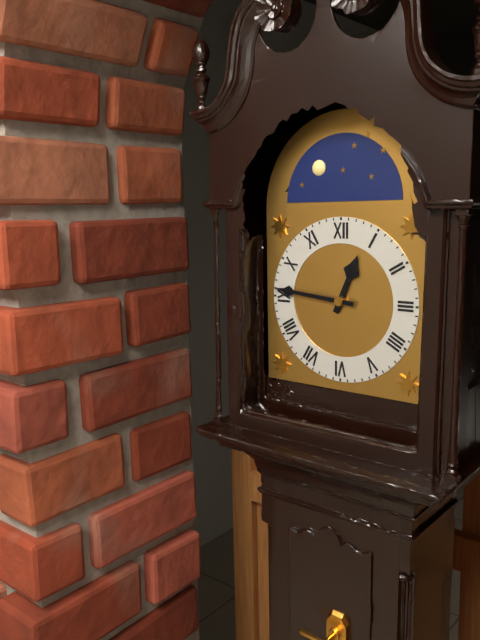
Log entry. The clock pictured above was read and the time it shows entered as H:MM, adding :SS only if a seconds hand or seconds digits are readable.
12:46
